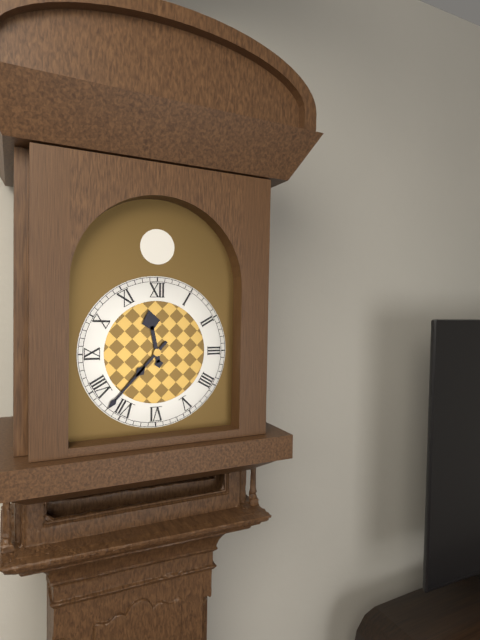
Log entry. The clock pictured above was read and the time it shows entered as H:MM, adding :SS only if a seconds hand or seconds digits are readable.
11:37
